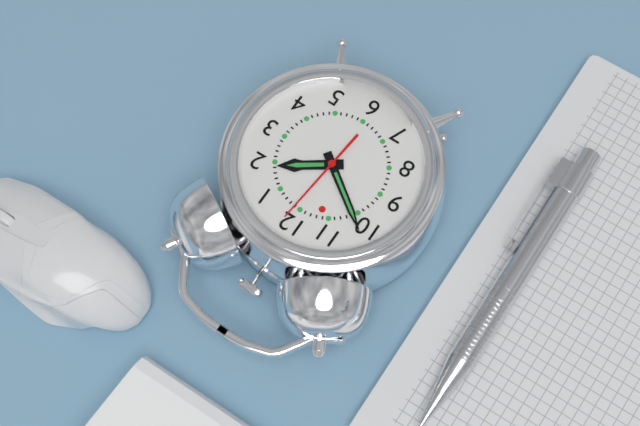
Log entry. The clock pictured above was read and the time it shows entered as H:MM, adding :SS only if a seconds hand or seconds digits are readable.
1:51:01
